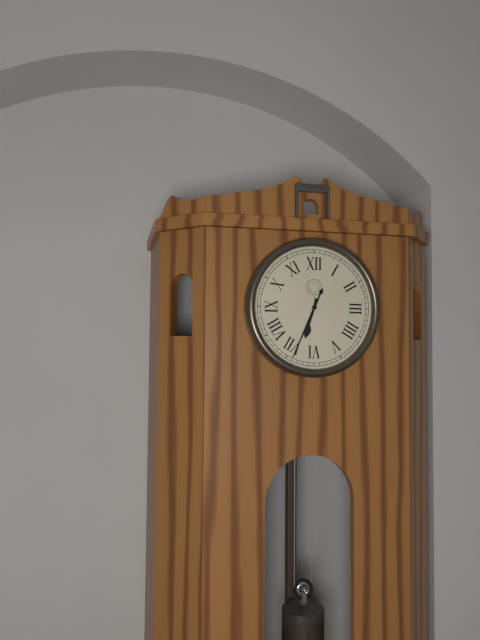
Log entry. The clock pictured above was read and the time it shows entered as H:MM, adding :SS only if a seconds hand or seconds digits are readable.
6:34
